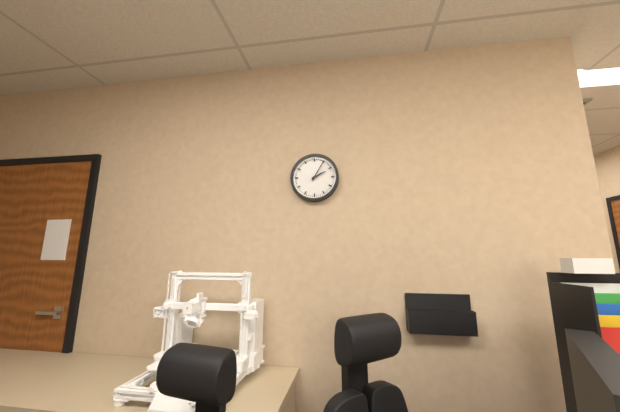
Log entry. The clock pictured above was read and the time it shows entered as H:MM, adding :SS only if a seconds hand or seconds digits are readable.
2:05
